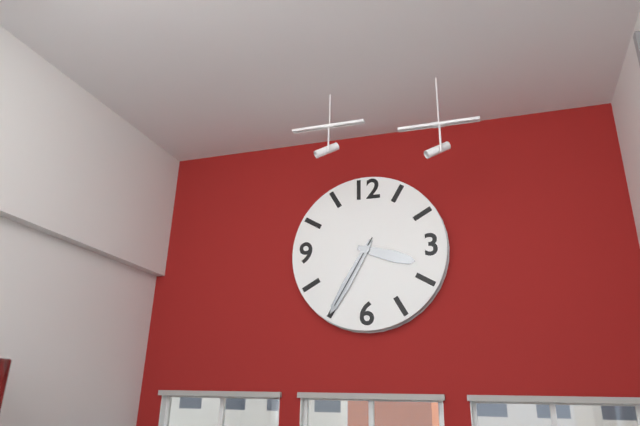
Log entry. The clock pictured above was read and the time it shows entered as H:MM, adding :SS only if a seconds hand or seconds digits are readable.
3:35:35
